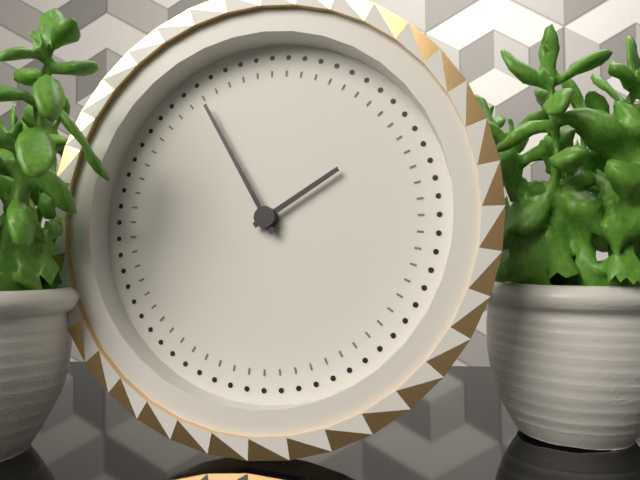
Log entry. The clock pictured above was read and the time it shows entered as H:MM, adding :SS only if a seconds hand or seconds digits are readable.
1:55
